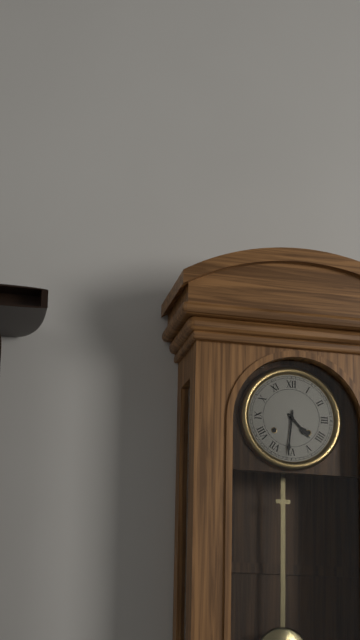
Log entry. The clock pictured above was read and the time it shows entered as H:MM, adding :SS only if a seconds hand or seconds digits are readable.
4:31
